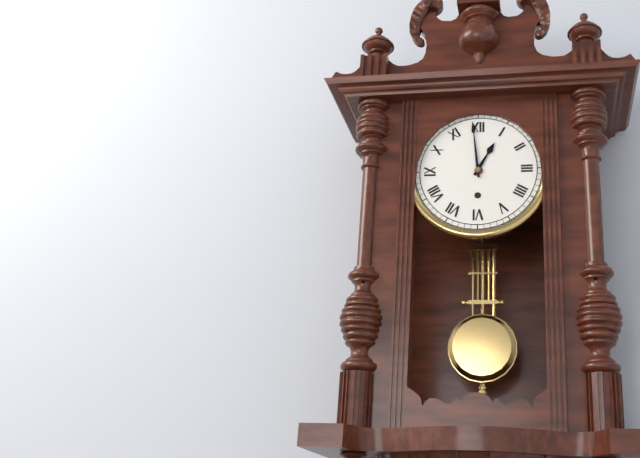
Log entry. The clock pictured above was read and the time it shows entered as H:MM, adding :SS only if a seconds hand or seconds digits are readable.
12:59
